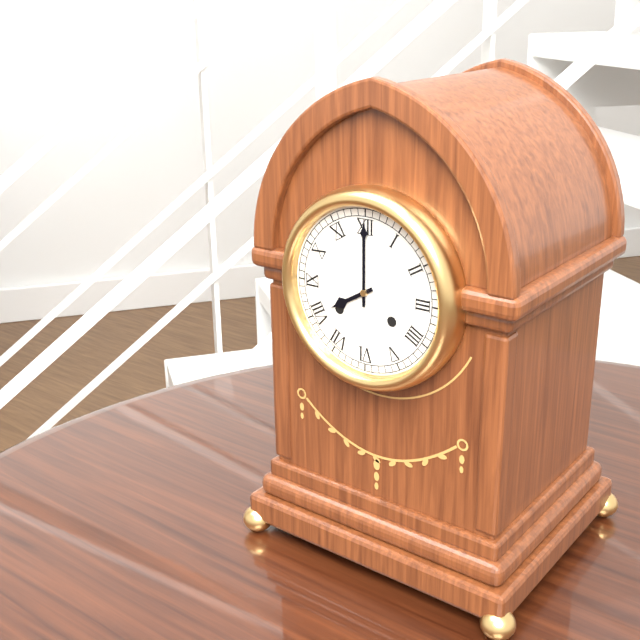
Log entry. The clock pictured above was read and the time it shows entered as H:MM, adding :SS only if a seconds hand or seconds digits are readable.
8:00
